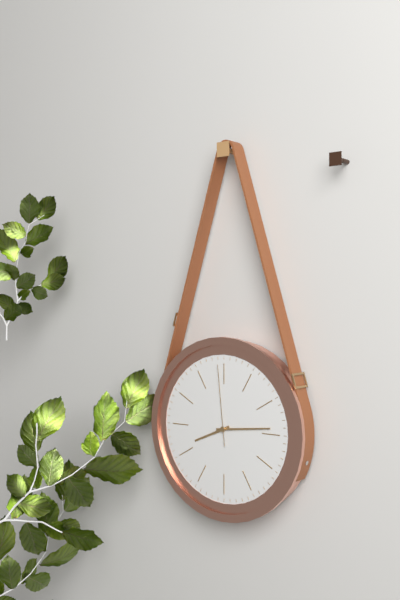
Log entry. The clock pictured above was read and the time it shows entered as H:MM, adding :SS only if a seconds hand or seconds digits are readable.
8:14:59
